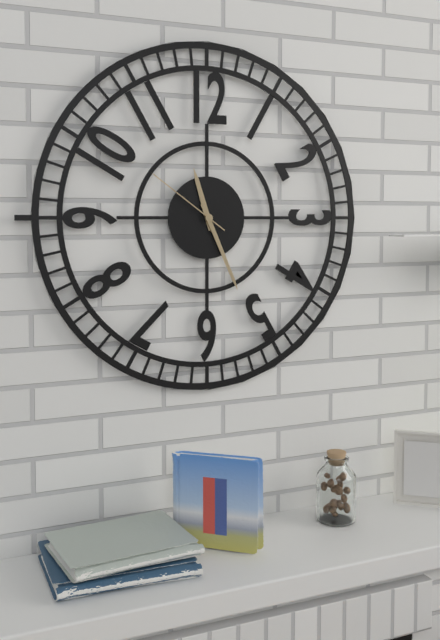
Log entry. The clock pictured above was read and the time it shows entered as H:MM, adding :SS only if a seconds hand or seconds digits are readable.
11:26:51
